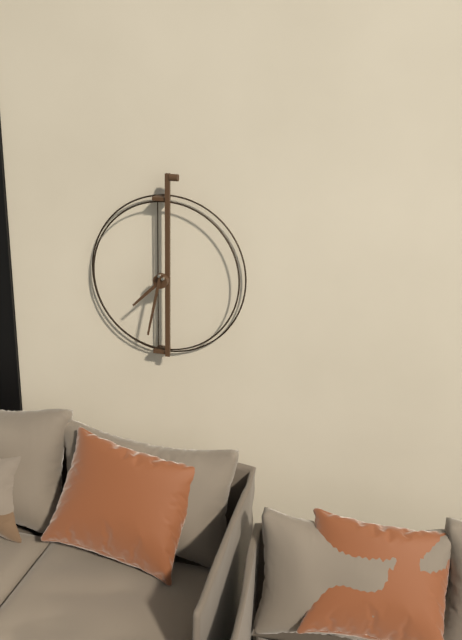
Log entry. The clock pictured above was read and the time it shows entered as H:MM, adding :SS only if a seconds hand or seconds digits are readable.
7:32
